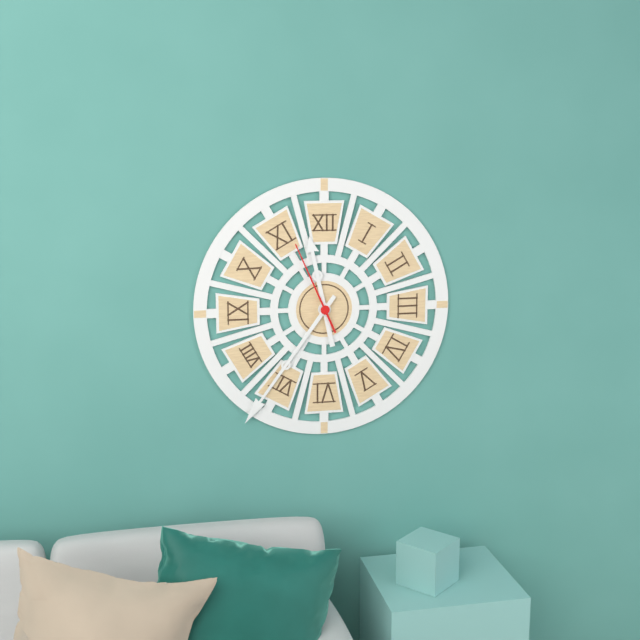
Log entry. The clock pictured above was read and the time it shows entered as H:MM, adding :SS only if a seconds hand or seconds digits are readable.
11:36:56
